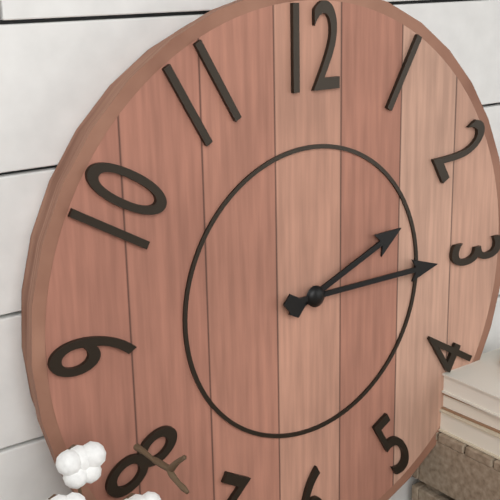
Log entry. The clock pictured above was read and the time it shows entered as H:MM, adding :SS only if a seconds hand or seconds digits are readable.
2:15
